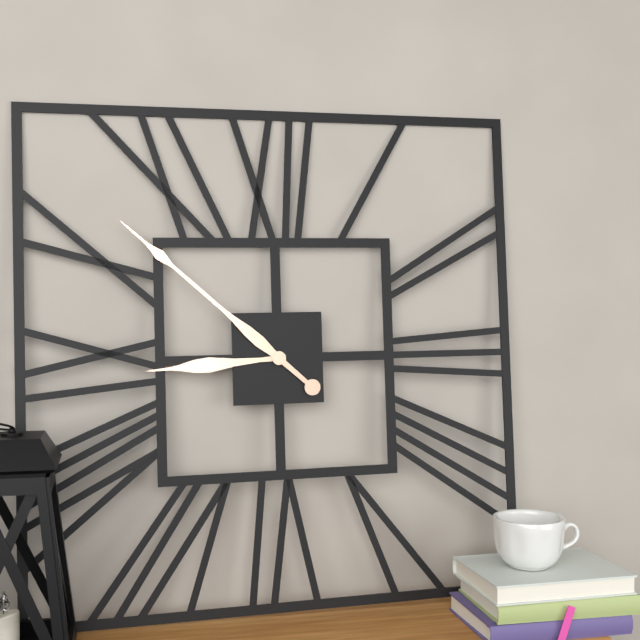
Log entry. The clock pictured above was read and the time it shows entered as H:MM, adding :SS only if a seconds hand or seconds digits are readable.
8:52
